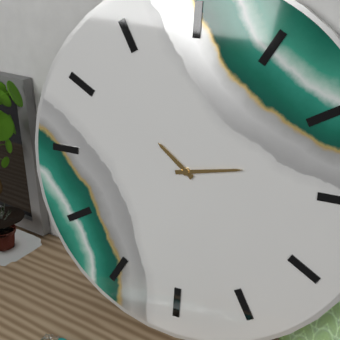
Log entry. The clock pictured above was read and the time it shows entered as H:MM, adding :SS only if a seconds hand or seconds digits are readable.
10:13
